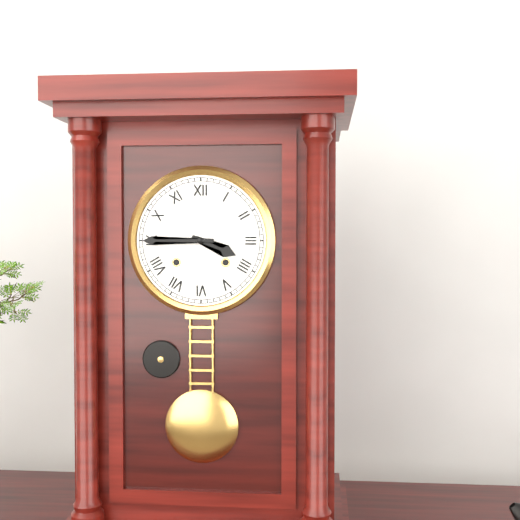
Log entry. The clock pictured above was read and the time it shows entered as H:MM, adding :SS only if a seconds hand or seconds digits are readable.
3:45
